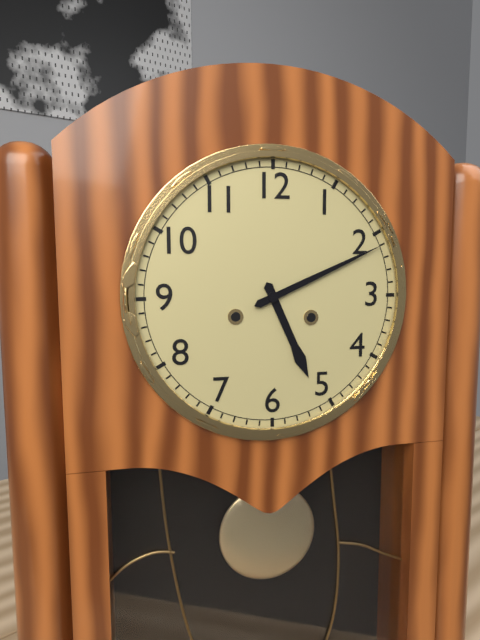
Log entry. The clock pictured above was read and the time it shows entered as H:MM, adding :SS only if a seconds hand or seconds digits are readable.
5:11
